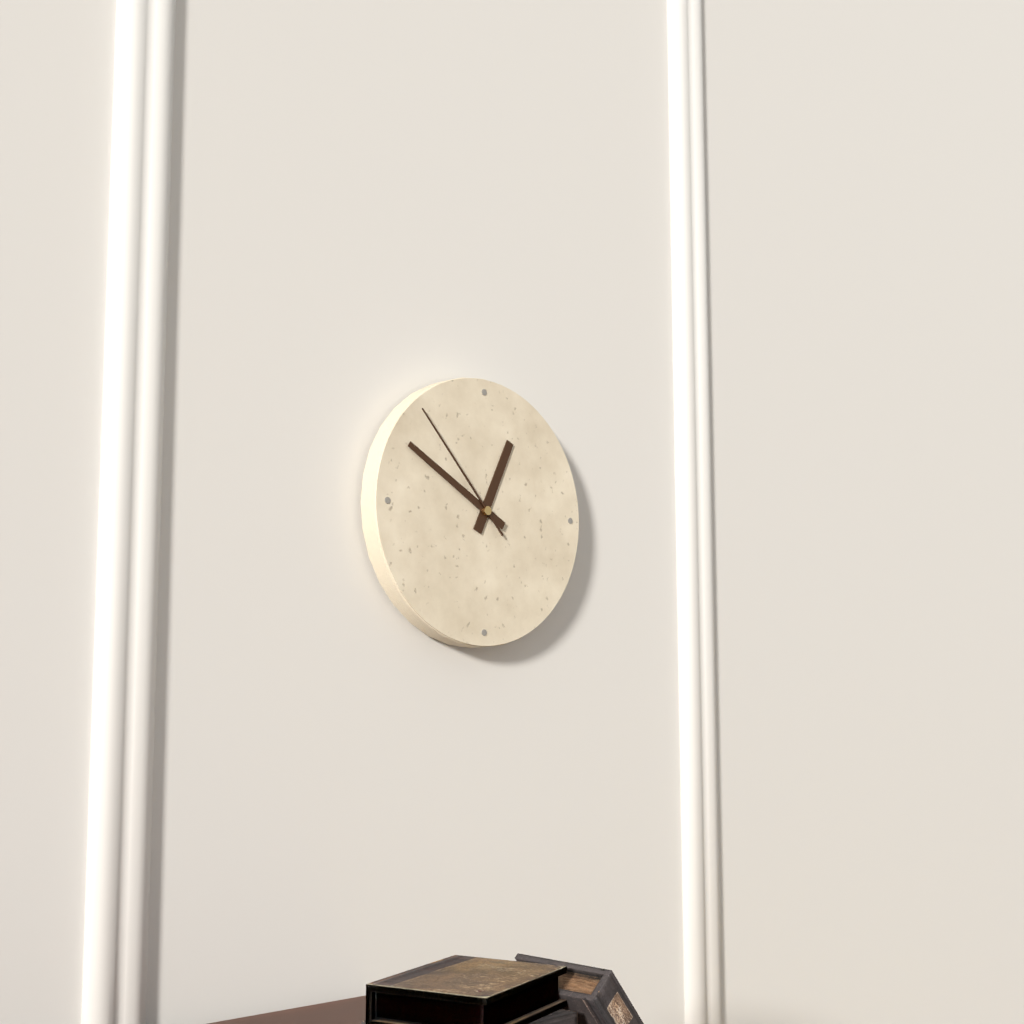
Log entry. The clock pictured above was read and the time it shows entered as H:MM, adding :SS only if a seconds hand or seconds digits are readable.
12:50:53
